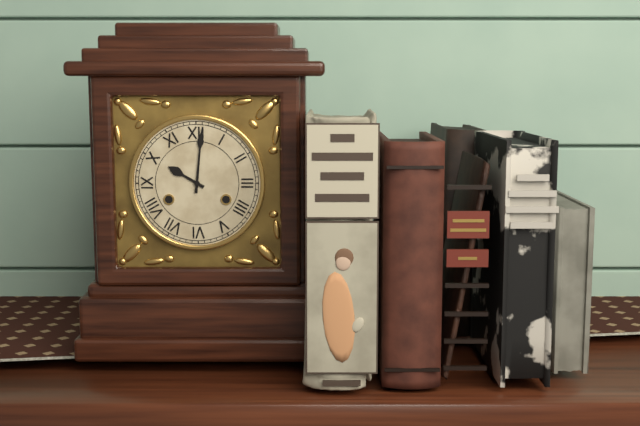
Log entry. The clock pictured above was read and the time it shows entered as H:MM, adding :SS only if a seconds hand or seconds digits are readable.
10:01
